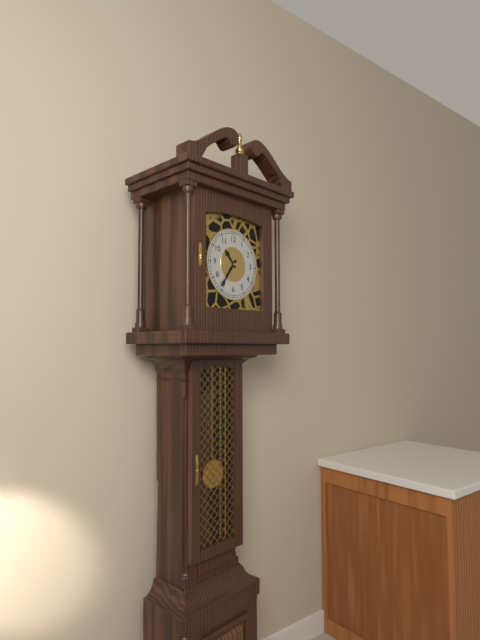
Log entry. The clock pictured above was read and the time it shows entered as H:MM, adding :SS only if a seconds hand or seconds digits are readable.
10:36
